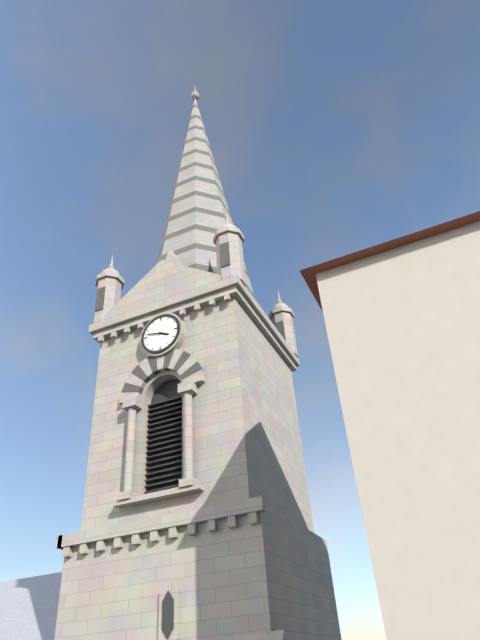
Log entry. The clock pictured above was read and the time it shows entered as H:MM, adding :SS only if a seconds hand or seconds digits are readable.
3:47
